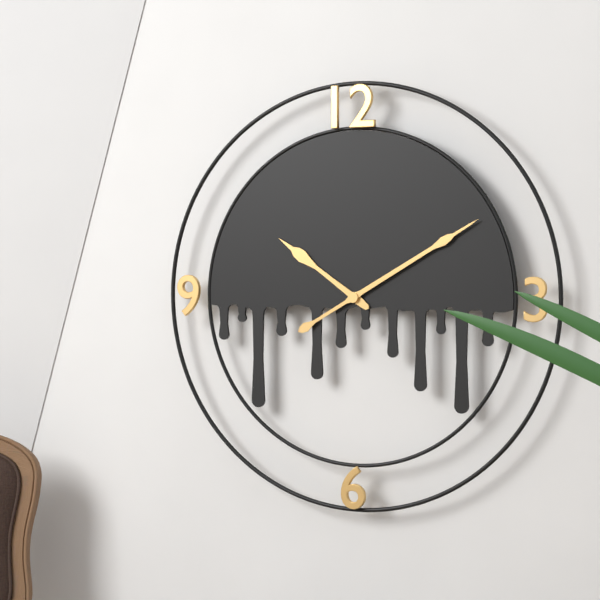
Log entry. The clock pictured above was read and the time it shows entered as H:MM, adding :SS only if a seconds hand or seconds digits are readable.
10:10
